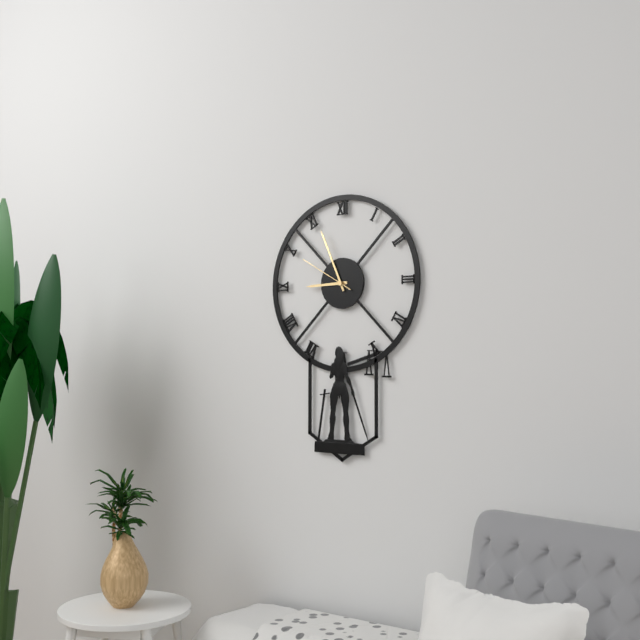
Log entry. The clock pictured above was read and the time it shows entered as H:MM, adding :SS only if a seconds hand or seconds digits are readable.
8:56:50
